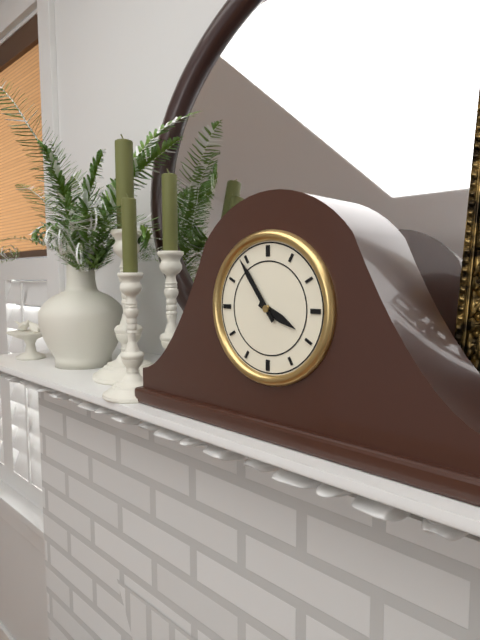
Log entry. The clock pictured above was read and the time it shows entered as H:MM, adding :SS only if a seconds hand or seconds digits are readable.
3:54
